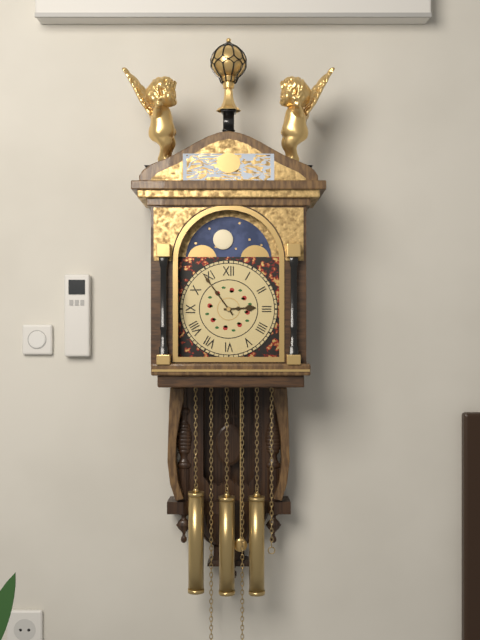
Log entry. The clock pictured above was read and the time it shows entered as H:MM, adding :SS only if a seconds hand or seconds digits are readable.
2:54
